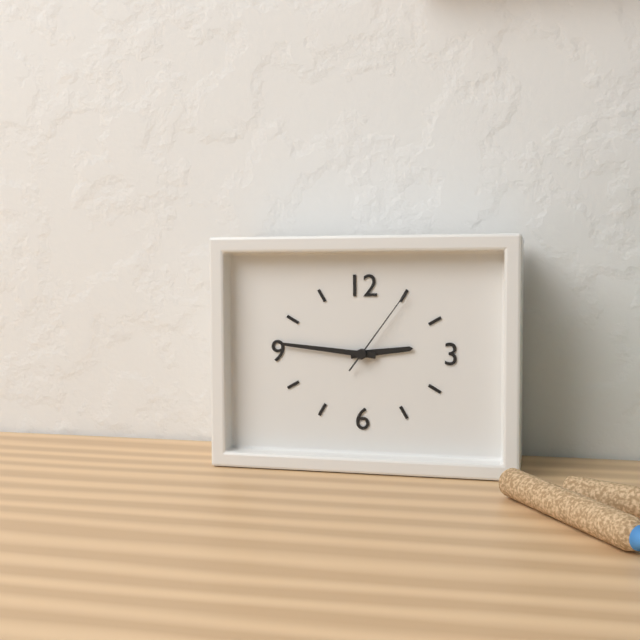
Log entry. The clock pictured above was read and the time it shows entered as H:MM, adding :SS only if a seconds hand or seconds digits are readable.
2:46:06
